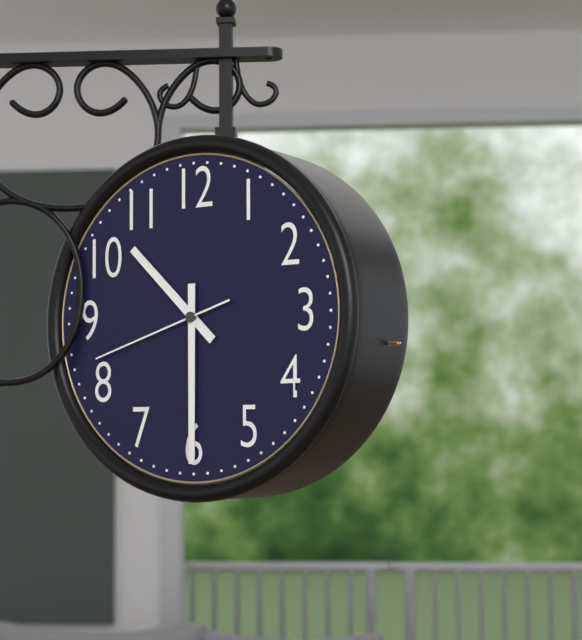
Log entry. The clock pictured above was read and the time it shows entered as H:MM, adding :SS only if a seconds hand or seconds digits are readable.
10:30:42
